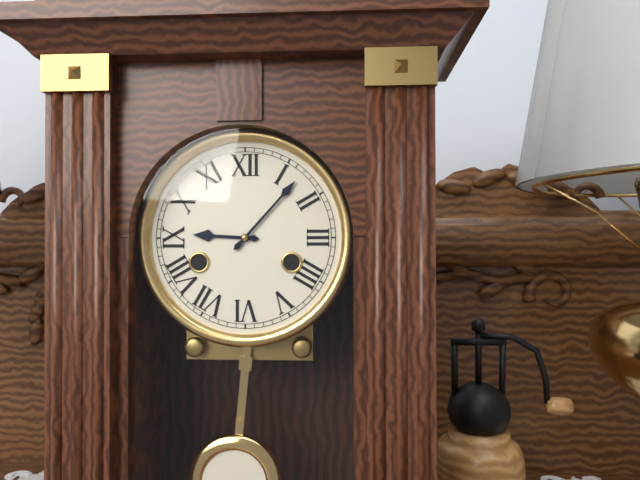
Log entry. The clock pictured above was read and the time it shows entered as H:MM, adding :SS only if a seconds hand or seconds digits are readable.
9:07
